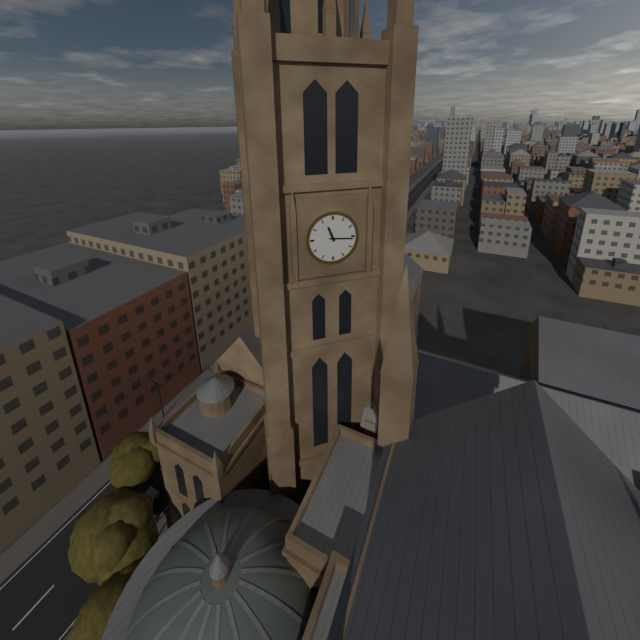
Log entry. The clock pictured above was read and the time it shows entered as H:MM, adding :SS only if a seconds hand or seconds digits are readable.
11:16
